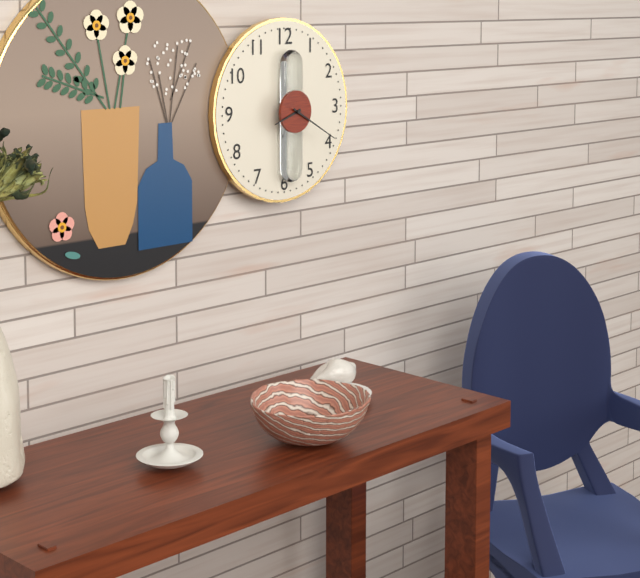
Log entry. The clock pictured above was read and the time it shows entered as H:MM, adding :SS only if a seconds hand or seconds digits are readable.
8:20
